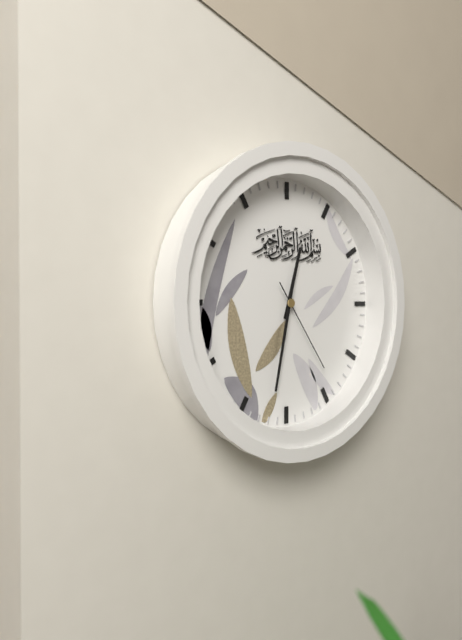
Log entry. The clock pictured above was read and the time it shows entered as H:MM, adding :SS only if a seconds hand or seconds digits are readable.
12:32:24
